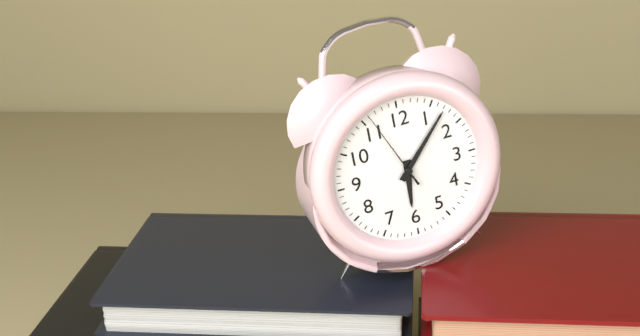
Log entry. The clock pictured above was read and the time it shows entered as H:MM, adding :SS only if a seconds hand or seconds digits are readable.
6:07:56
